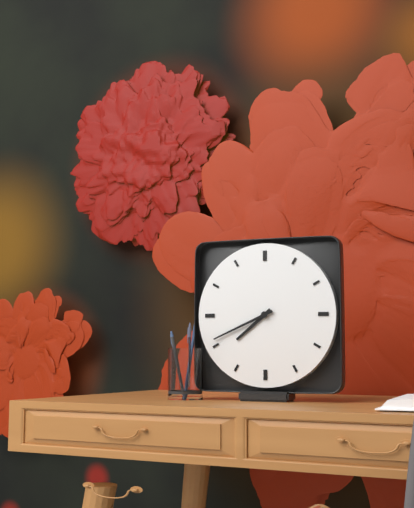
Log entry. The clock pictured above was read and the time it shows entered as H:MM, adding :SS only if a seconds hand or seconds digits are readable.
7:41
